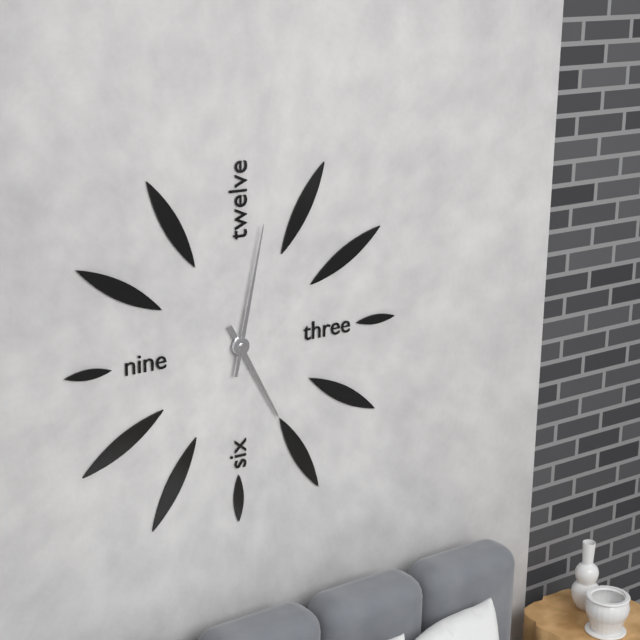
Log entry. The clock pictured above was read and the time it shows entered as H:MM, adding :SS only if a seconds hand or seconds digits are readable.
5:02
